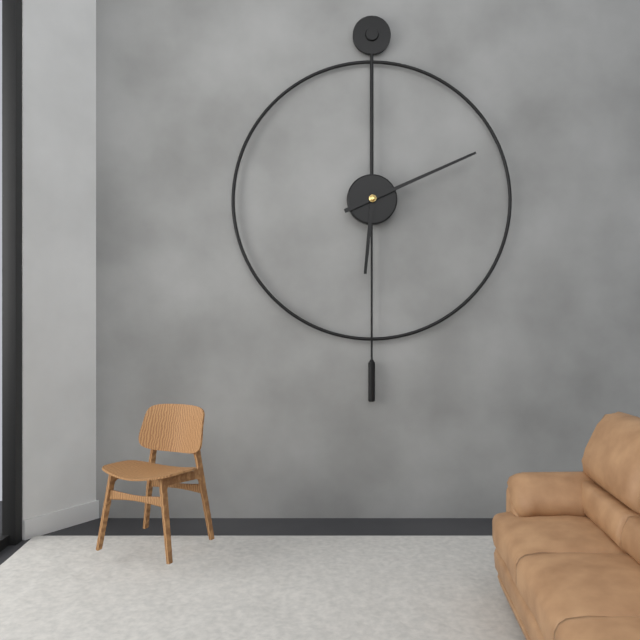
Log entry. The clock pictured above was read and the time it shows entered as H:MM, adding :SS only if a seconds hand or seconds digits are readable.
6:11
